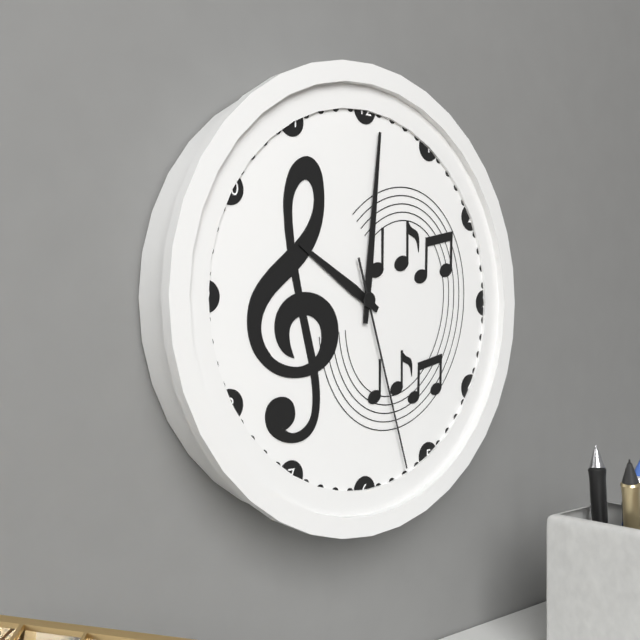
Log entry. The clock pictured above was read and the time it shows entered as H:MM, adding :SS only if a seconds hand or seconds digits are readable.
10:01:27
